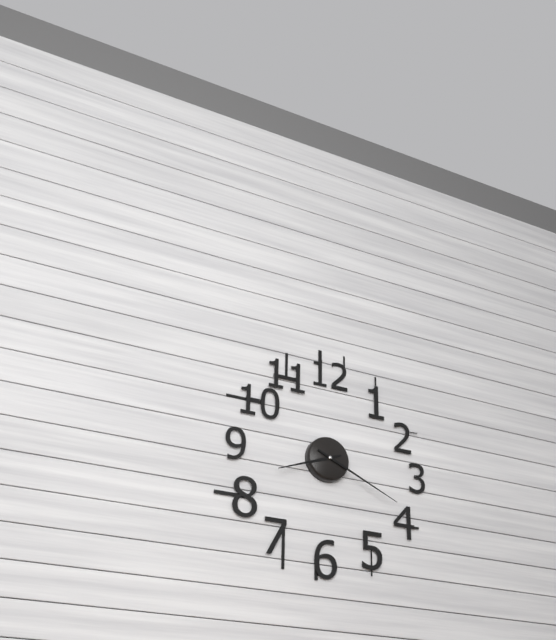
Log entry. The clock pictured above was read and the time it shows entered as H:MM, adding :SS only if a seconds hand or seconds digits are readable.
8:19
